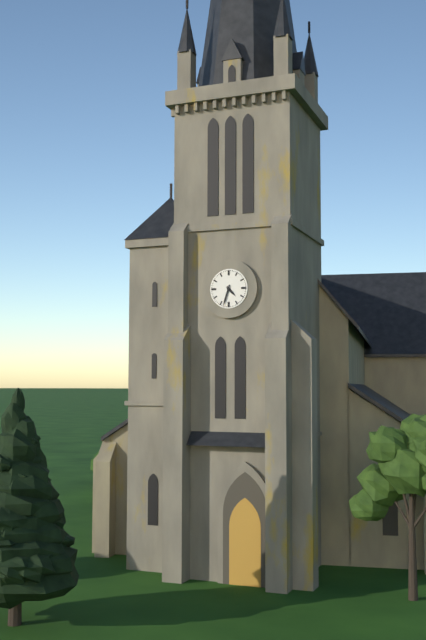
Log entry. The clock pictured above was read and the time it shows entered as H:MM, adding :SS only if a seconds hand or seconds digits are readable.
4:33
